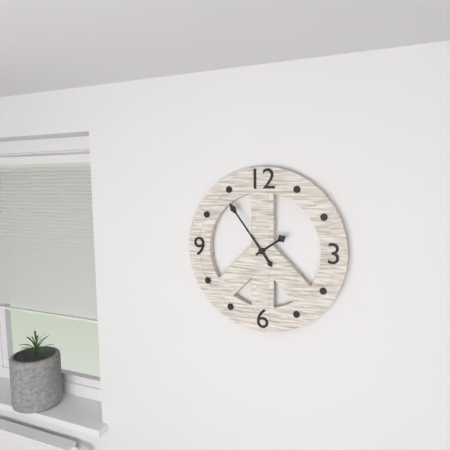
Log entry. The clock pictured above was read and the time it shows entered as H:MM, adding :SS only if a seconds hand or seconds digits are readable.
1:54
